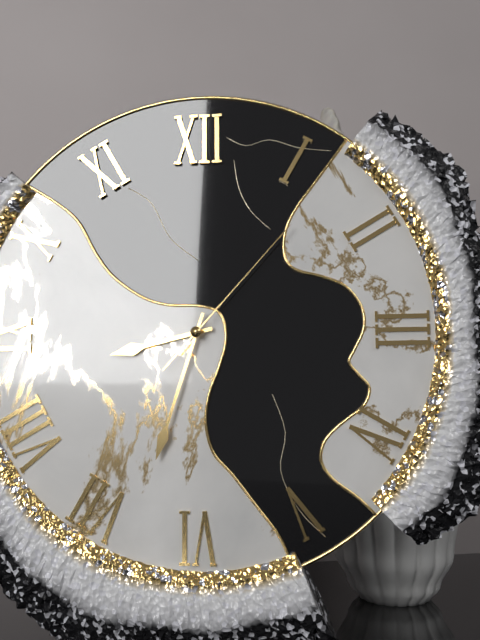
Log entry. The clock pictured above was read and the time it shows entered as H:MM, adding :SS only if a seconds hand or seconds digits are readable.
8:33:07
